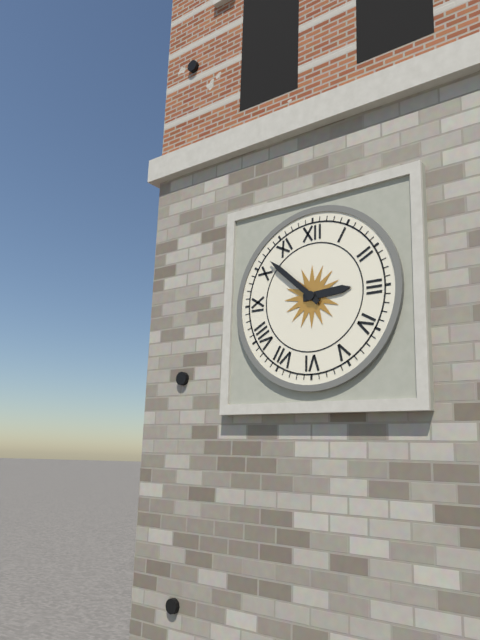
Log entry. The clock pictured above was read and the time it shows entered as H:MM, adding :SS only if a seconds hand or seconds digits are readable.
2:52
